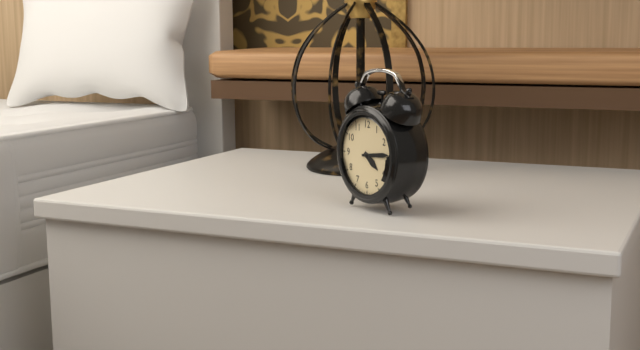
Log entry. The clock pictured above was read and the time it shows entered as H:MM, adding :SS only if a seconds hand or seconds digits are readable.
4:14
